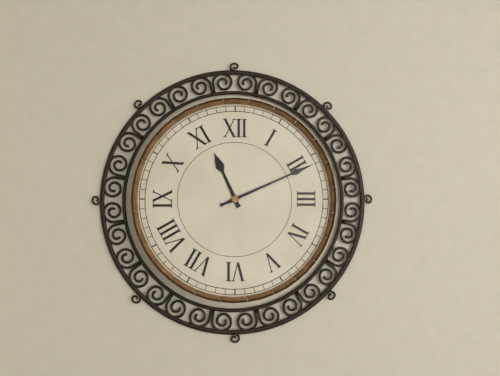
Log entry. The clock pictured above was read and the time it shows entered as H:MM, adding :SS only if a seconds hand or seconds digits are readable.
11:11
